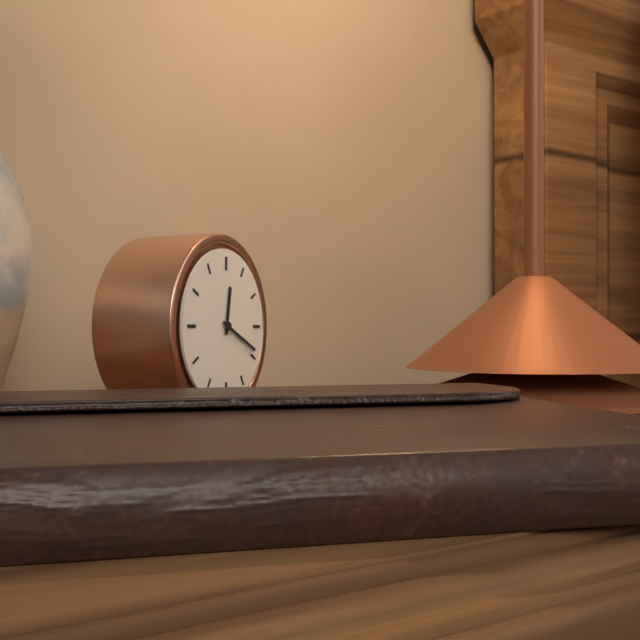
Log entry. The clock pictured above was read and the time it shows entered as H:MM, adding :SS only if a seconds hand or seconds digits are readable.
12:19
